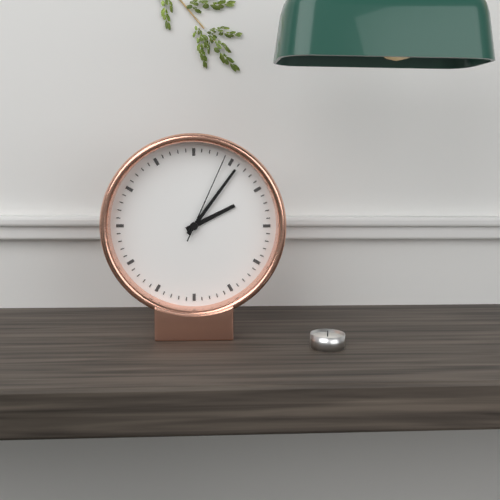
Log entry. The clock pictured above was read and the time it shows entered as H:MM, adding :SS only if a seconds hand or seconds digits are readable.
2:06:04
